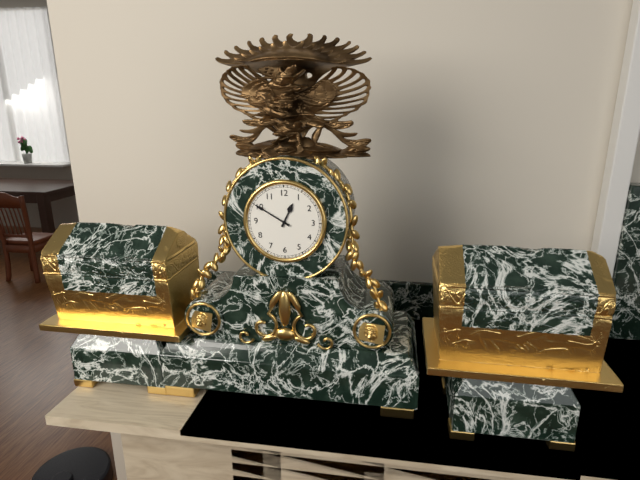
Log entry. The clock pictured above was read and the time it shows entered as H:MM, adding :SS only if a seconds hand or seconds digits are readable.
12:50
